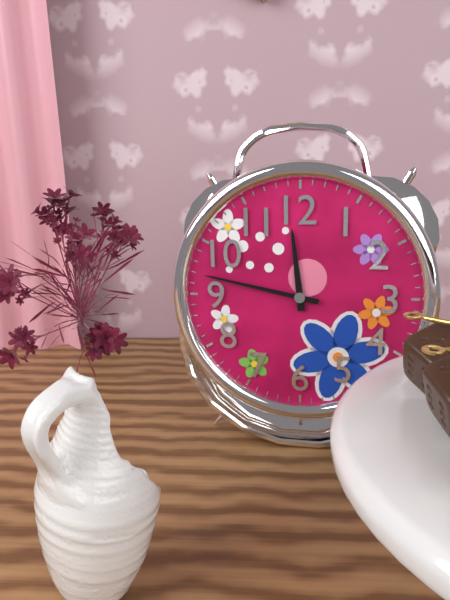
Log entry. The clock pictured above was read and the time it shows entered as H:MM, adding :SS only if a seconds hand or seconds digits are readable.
11:47
